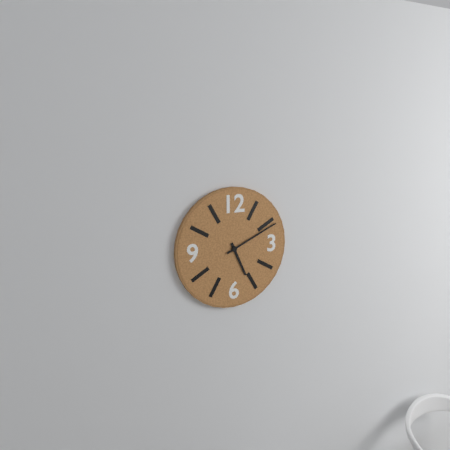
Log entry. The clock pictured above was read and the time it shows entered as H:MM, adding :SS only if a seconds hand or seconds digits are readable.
5:11
